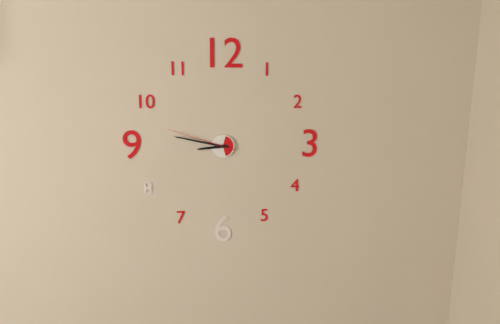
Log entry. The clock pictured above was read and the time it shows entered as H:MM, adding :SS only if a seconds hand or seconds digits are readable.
8:47:48
